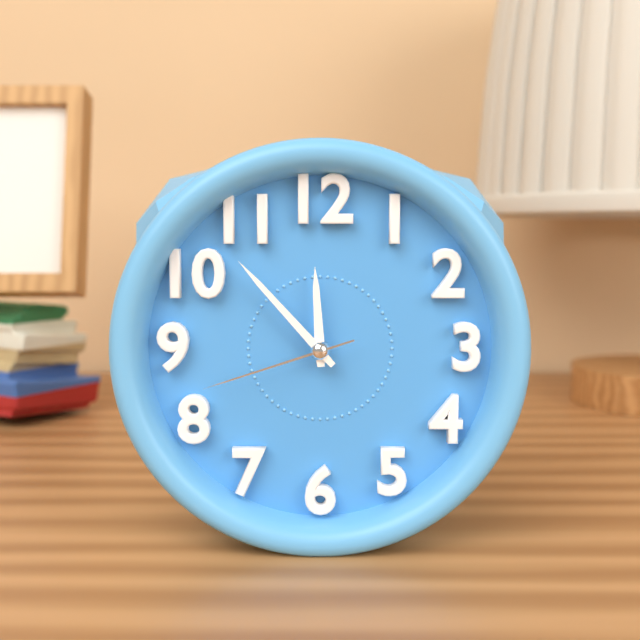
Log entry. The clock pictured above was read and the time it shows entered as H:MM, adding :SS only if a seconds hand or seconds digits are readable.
11:53:42
